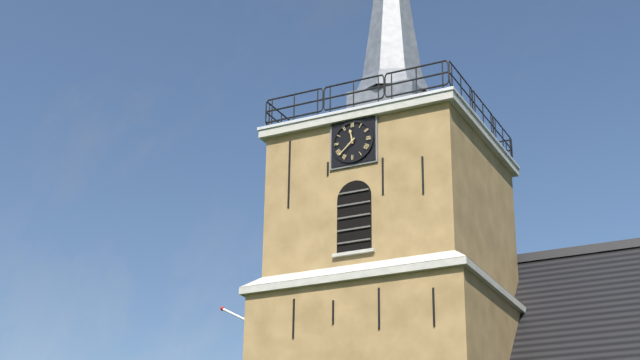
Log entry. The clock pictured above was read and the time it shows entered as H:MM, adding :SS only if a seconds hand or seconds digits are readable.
11:38
